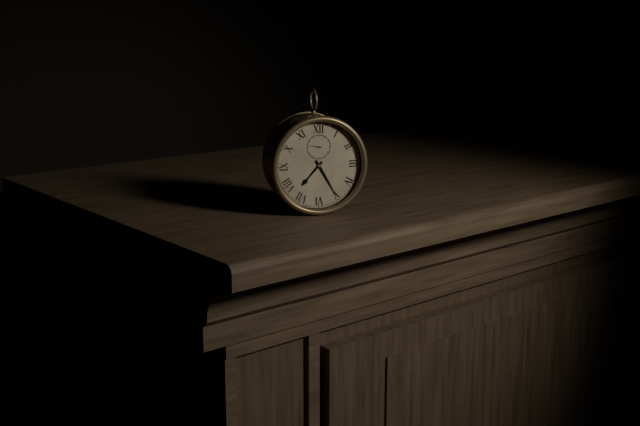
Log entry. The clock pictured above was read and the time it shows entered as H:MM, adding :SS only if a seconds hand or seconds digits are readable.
7:25
